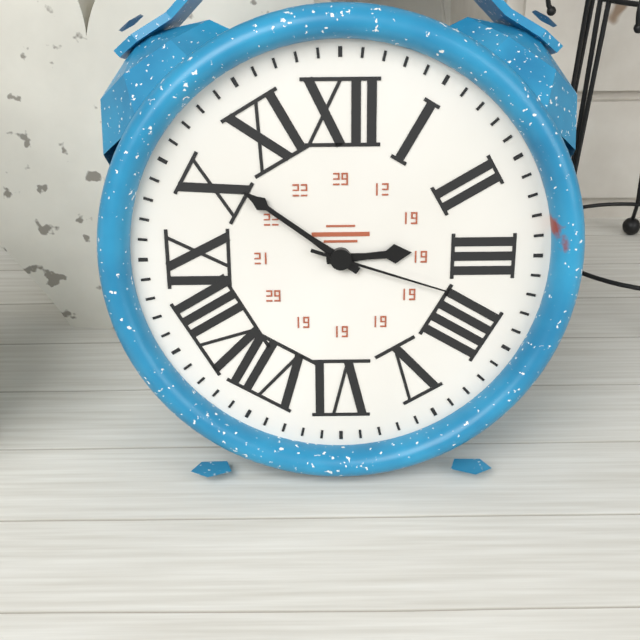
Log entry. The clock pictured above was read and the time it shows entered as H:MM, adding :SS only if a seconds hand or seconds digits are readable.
2:51:18
